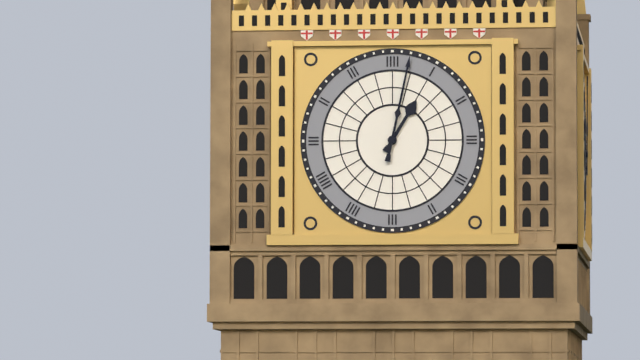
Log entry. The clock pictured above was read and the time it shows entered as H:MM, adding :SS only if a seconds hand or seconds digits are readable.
1:02
